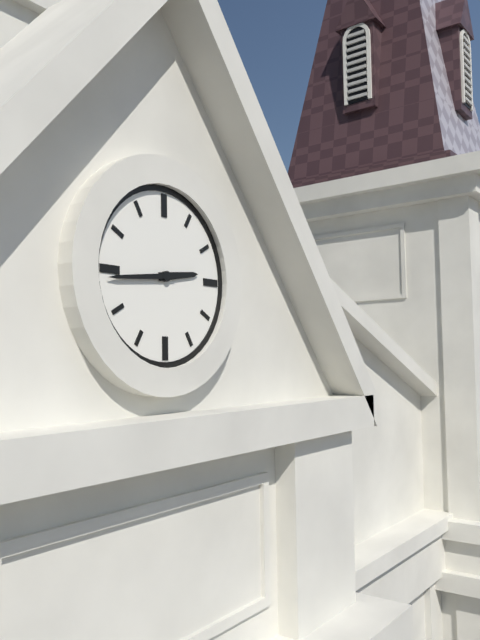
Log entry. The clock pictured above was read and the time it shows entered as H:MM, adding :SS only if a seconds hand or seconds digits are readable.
2:44
